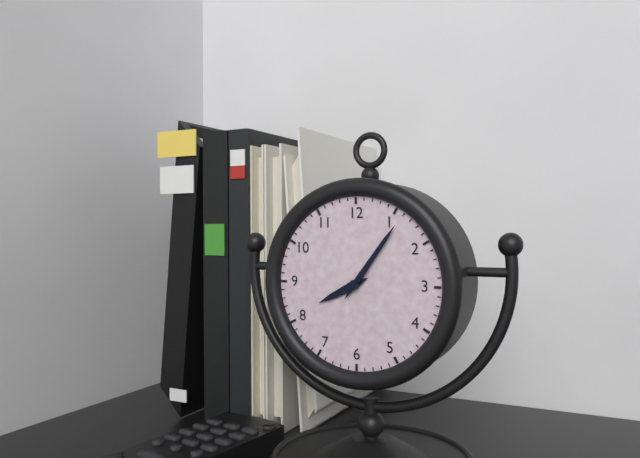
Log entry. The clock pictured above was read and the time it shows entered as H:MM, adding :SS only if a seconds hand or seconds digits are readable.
8:06
